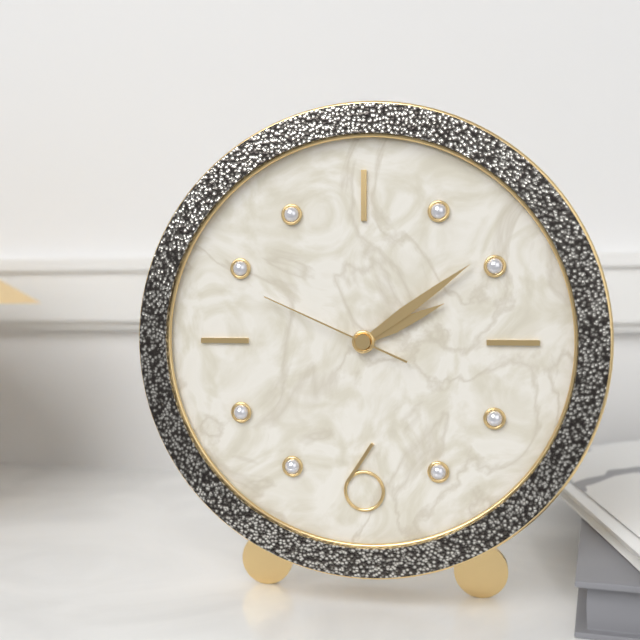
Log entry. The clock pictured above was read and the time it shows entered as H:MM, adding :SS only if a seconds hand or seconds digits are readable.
2:09:49
